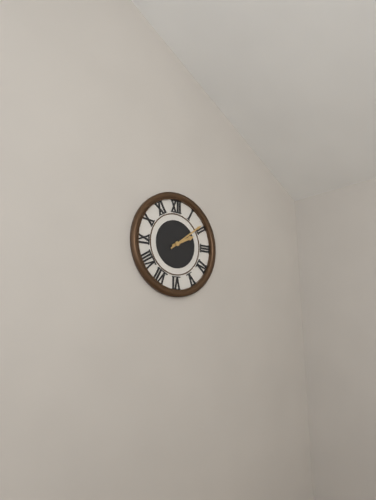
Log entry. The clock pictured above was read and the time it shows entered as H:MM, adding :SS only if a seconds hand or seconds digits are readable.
2:09
